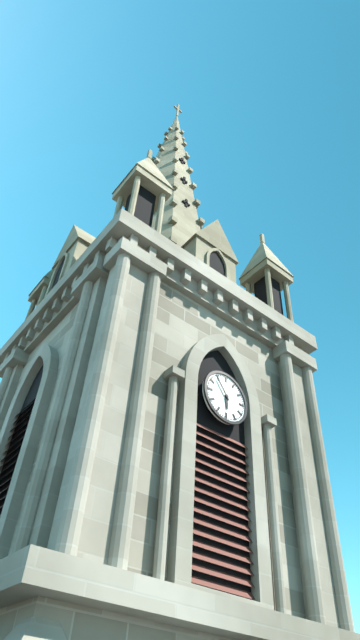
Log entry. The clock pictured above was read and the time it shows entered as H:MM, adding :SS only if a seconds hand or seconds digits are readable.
5:54
